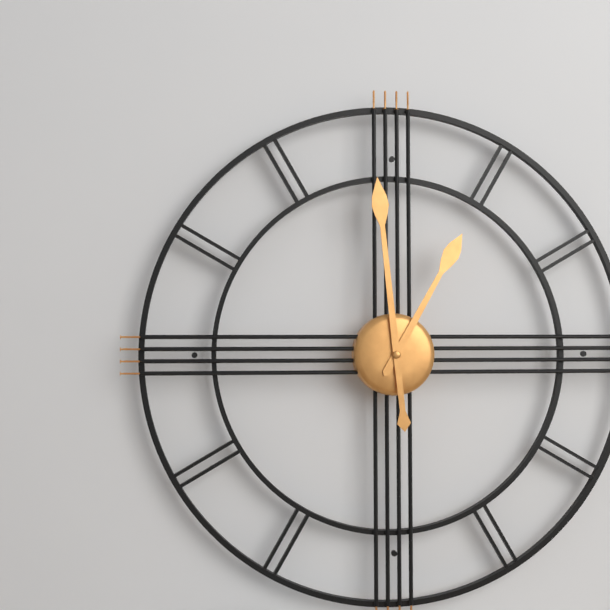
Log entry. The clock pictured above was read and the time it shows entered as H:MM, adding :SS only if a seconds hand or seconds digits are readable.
12:59
